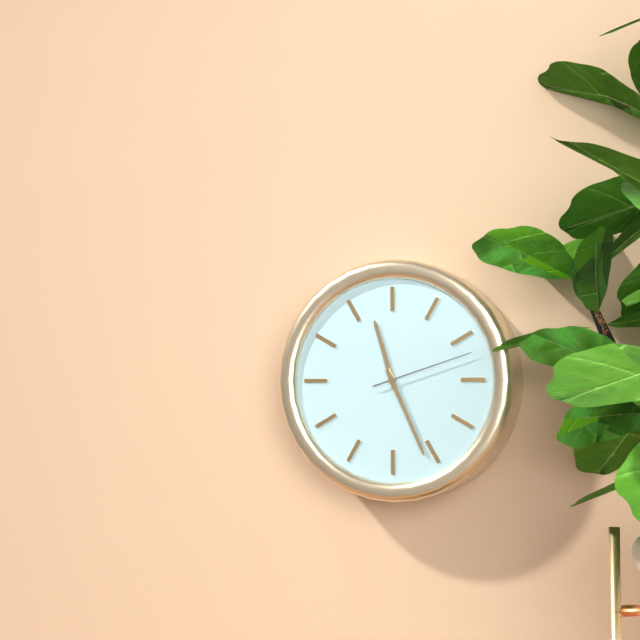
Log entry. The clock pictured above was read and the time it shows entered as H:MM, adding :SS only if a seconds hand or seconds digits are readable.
11:26:12
